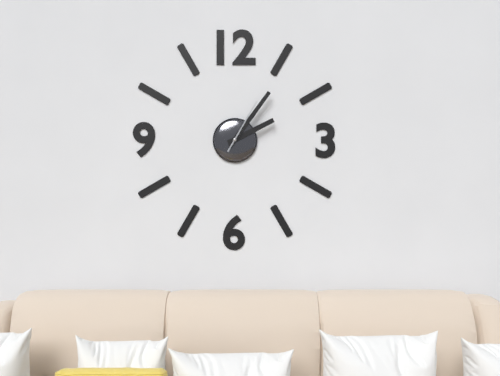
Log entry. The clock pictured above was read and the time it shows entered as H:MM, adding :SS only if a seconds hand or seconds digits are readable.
2:06:05
